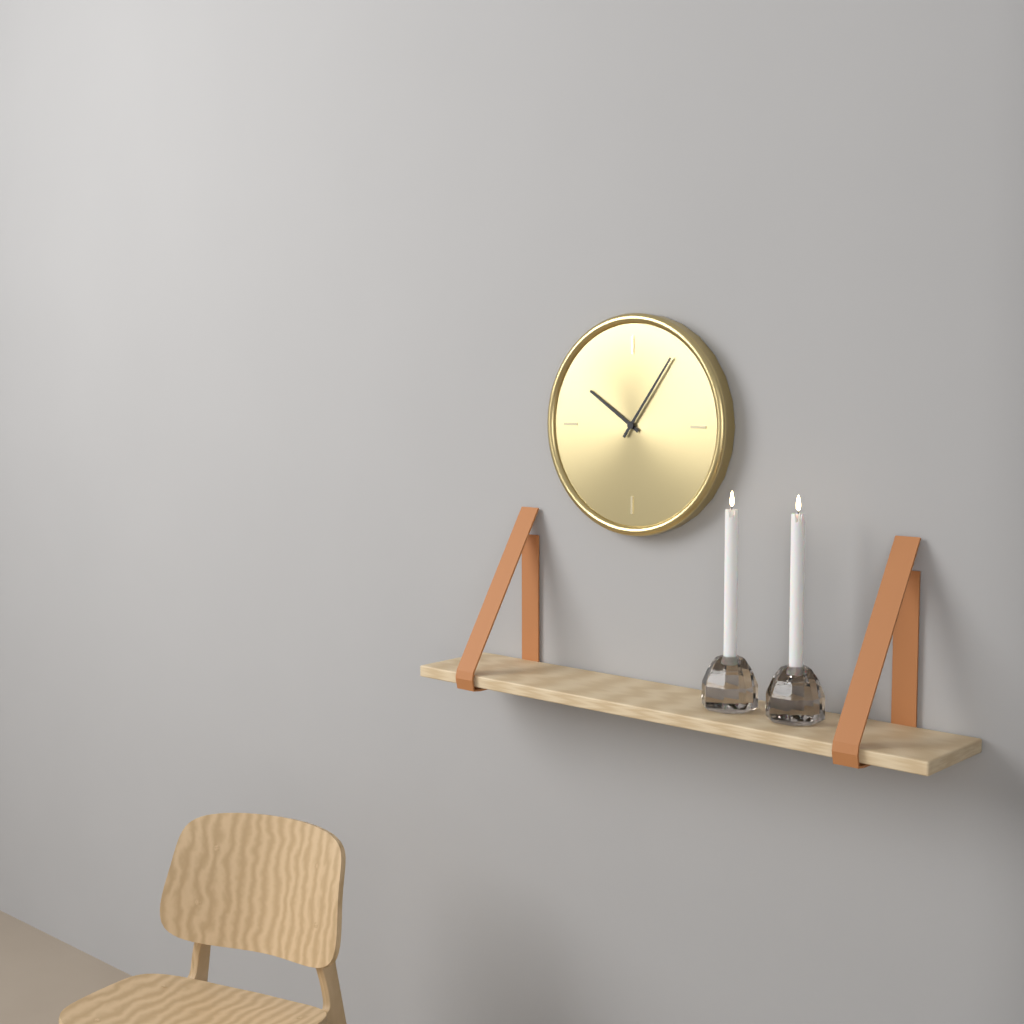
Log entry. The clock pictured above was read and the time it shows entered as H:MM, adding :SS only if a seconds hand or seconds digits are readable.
10:06
